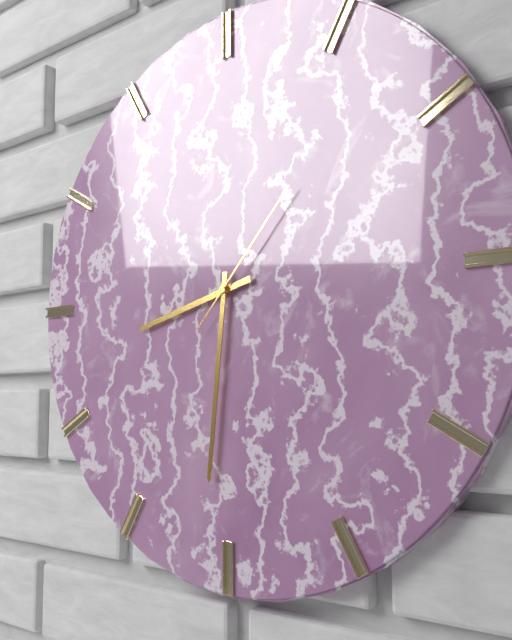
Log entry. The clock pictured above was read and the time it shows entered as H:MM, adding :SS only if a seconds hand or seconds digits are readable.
8:31:07
